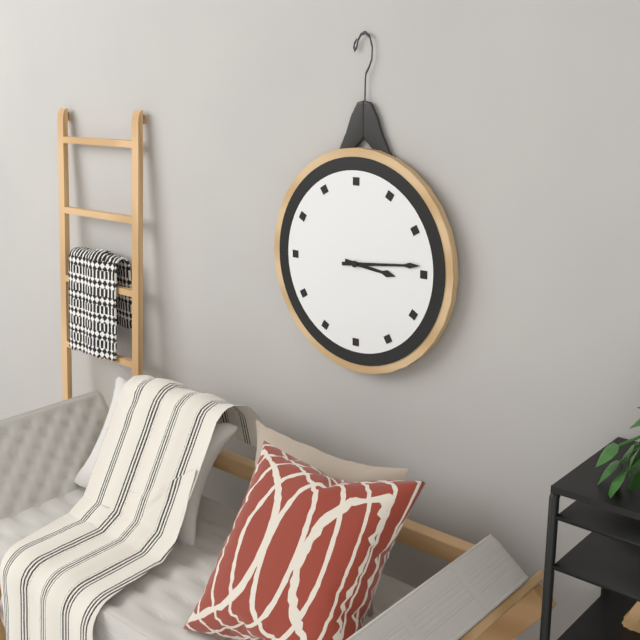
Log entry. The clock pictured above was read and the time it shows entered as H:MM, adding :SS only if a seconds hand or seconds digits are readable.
3:14
